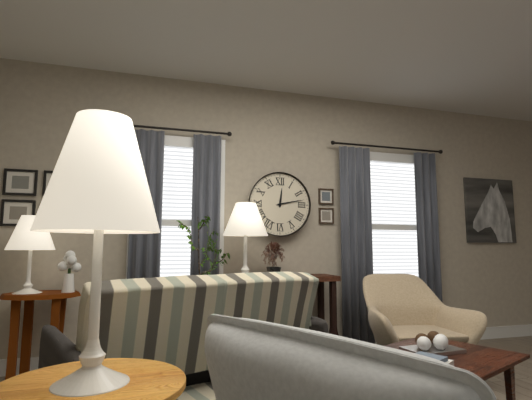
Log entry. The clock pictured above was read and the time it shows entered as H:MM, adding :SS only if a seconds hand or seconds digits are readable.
12:13
